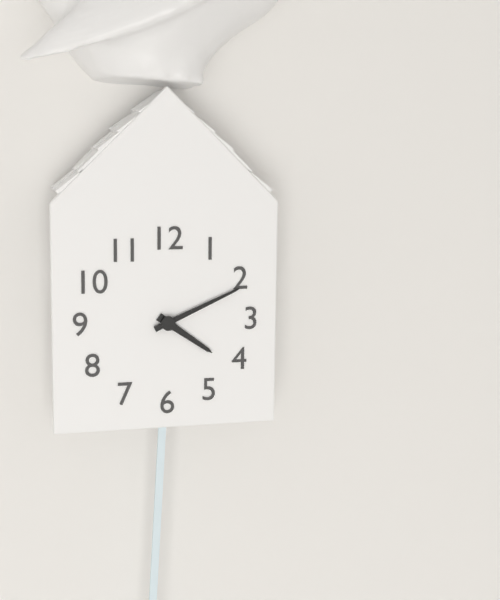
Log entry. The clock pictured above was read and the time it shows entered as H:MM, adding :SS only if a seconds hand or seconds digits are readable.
4:11
